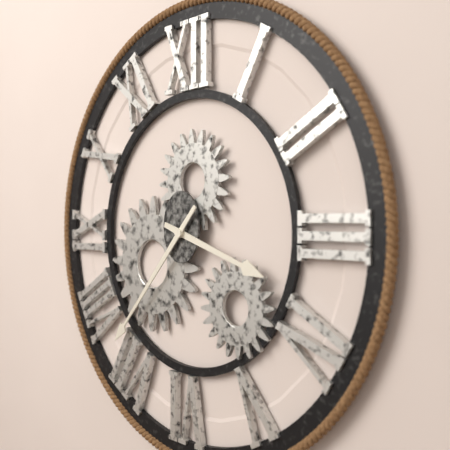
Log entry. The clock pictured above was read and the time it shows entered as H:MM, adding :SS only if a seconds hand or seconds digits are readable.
3:37
